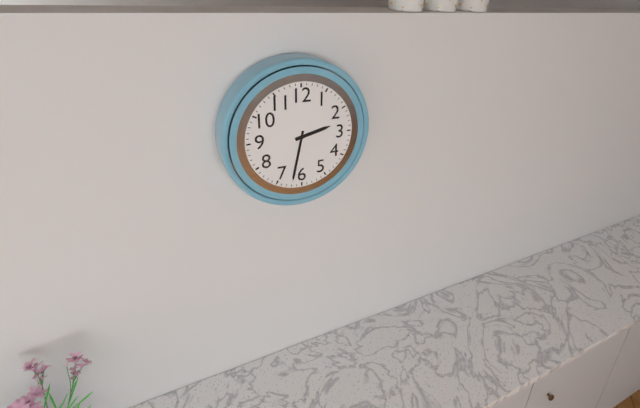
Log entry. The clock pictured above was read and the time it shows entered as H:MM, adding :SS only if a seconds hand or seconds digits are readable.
2:32
